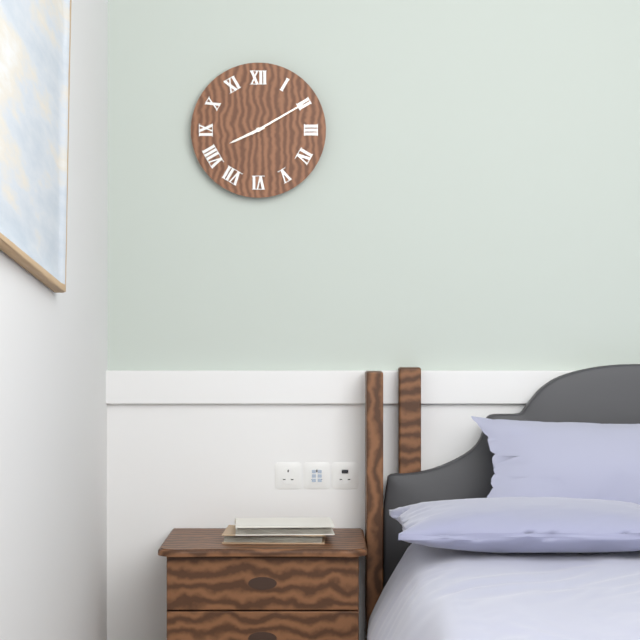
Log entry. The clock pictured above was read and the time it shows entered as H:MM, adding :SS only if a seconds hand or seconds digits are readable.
8:10
